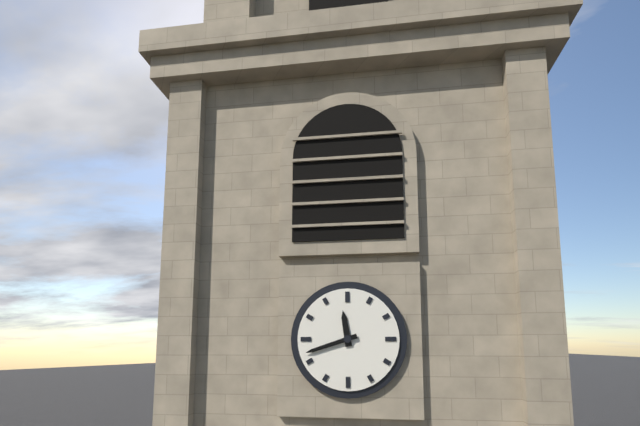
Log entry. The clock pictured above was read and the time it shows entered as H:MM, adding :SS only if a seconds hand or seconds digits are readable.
11:42
